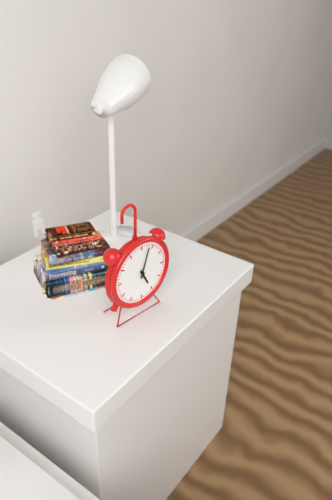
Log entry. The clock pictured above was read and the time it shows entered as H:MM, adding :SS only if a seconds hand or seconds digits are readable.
5:03
